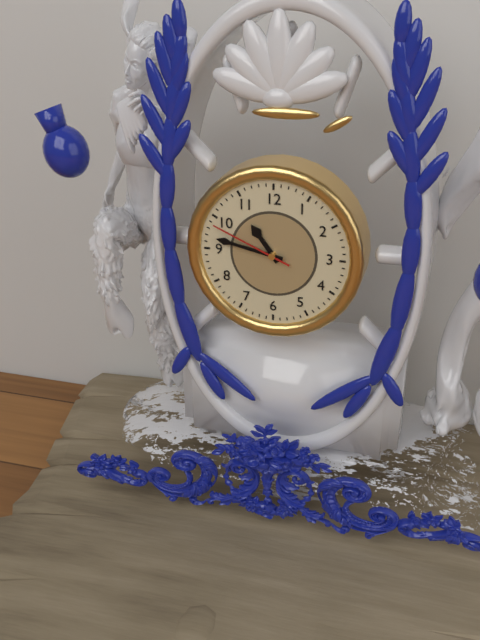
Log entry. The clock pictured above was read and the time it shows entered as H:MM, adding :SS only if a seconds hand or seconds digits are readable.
10:47:49
